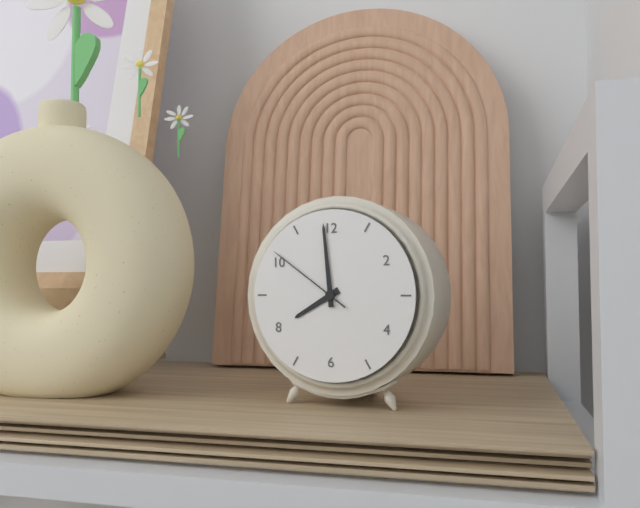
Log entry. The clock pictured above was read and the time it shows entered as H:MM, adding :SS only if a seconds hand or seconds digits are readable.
7:59:51
